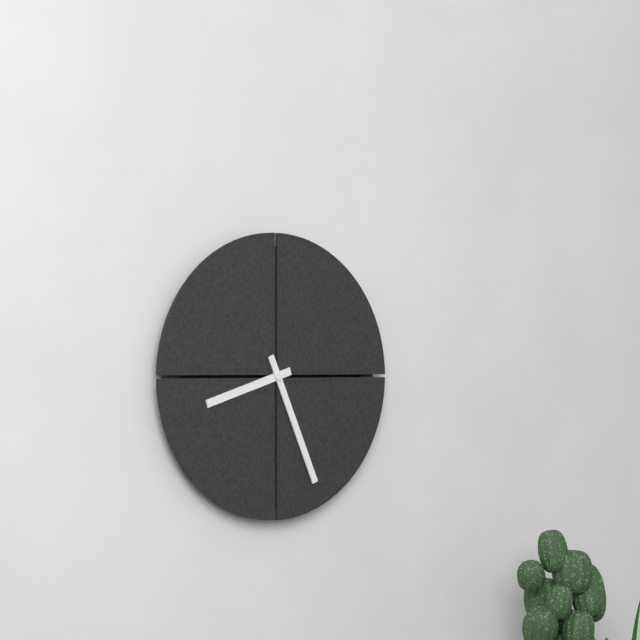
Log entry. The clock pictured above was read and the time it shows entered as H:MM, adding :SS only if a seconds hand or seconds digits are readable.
8:26
